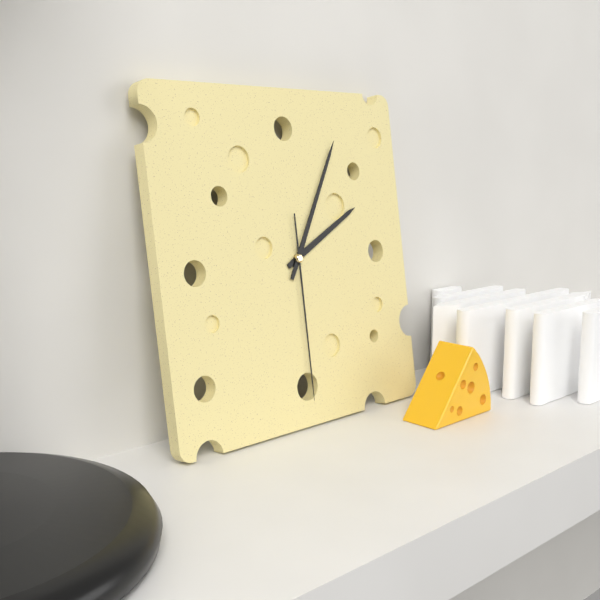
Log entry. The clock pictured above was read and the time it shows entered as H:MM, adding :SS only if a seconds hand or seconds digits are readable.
2:05:30
